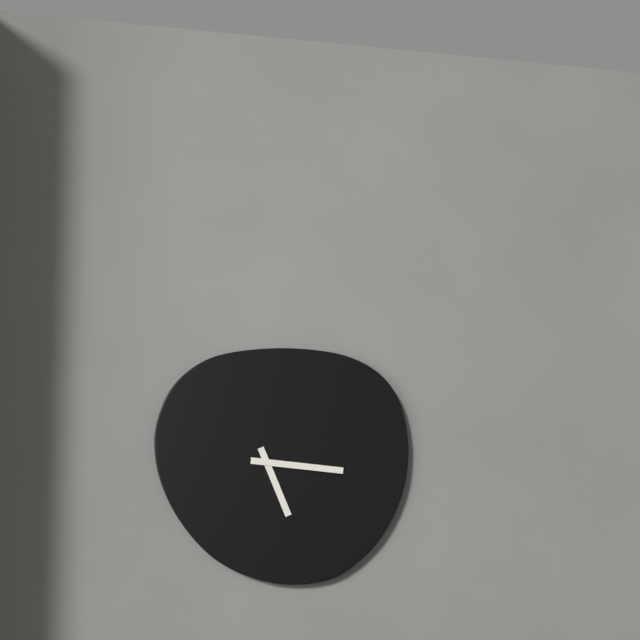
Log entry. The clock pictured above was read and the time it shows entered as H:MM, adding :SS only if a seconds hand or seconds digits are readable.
5:16
